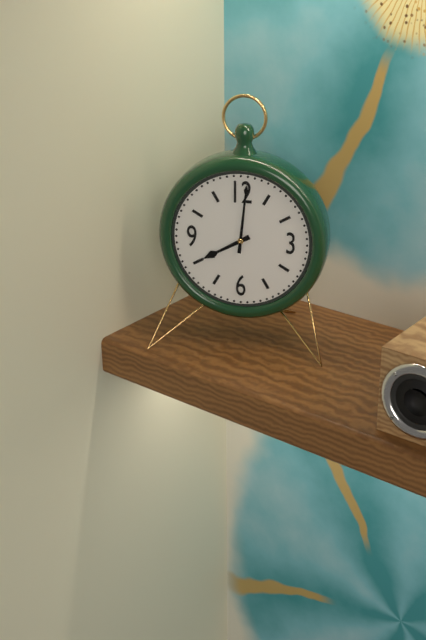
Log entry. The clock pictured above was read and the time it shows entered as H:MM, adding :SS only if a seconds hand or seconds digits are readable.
8:01
